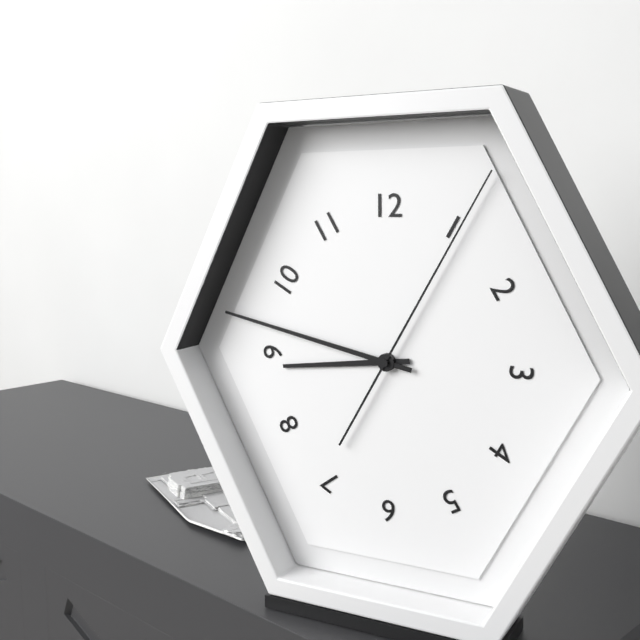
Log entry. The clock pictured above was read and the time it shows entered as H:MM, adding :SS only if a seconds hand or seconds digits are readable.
8:47:05
